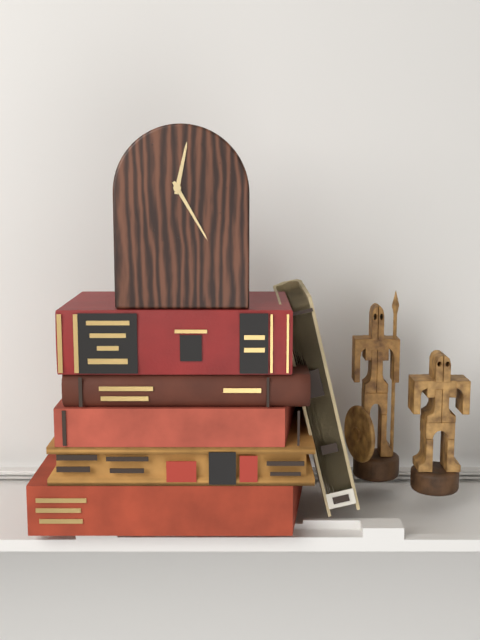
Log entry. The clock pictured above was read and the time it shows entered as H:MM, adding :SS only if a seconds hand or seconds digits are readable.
12:25
